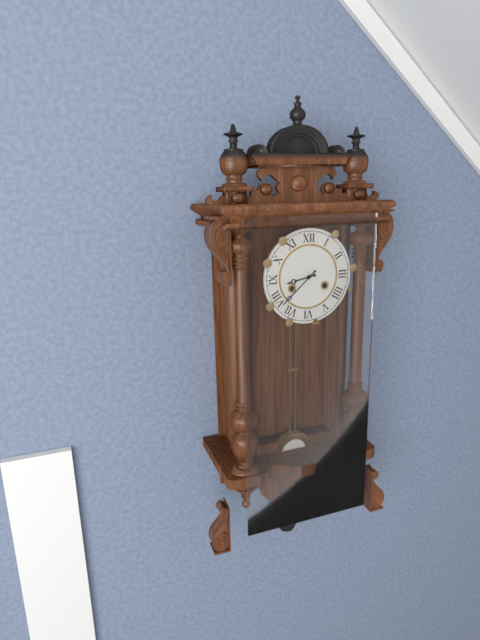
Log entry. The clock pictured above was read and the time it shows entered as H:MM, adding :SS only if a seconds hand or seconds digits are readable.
8:38
